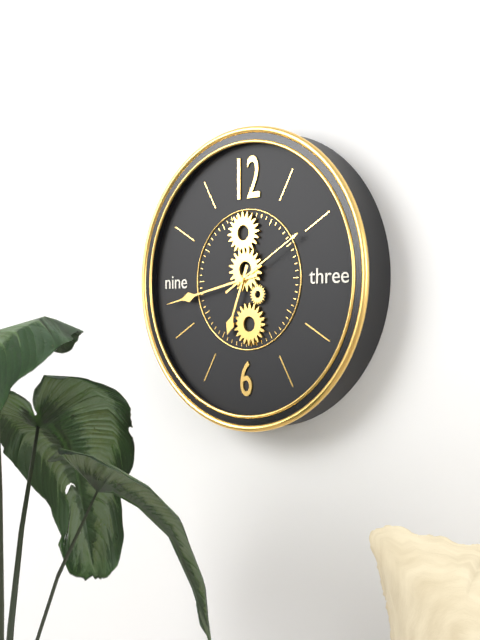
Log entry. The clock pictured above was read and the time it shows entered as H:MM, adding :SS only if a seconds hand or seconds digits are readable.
6:43:10
